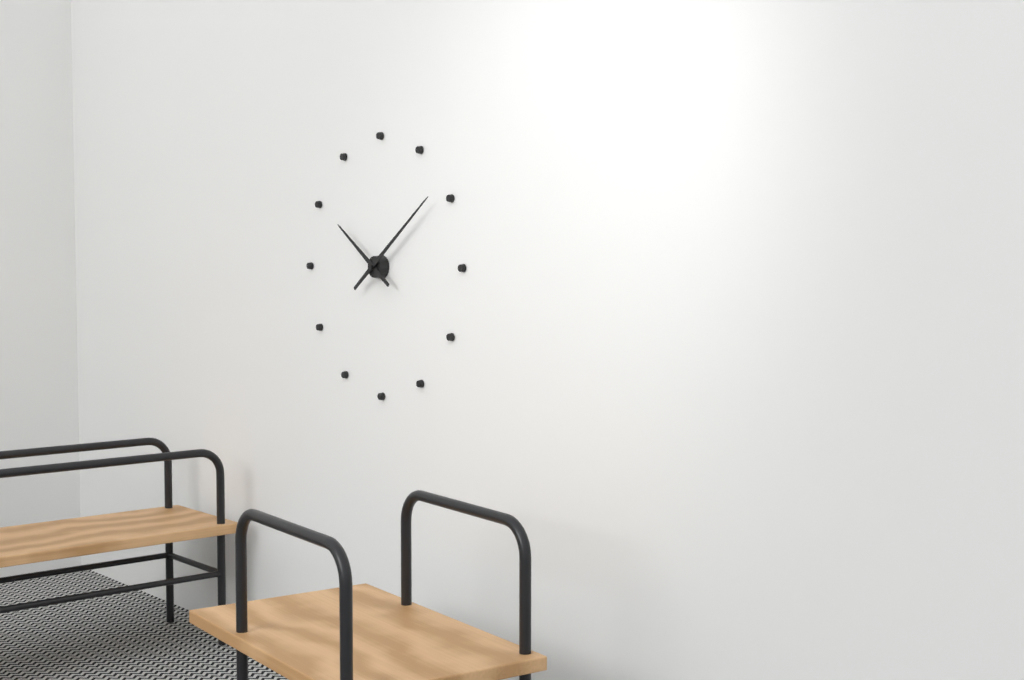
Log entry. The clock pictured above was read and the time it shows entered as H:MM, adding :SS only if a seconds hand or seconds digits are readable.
10:09
